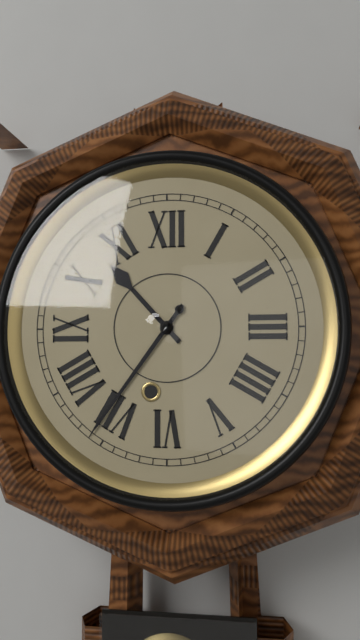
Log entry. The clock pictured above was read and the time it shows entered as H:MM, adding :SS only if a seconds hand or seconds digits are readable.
10:36
